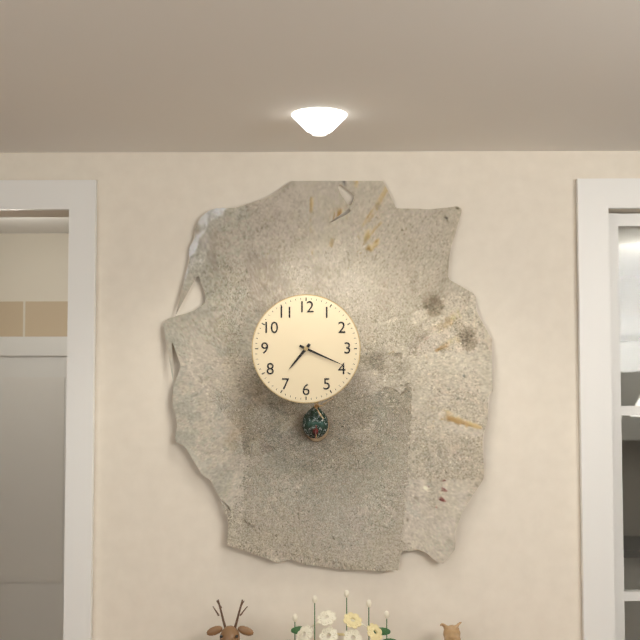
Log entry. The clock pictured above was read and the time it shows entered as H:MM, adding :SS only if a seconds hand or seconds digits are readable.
7:19
